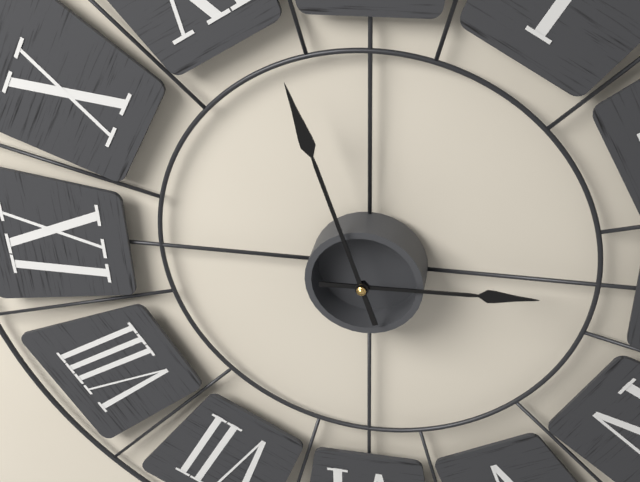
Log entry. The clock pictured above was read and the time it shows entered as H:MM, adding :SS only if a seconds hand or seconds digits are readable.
2:57
